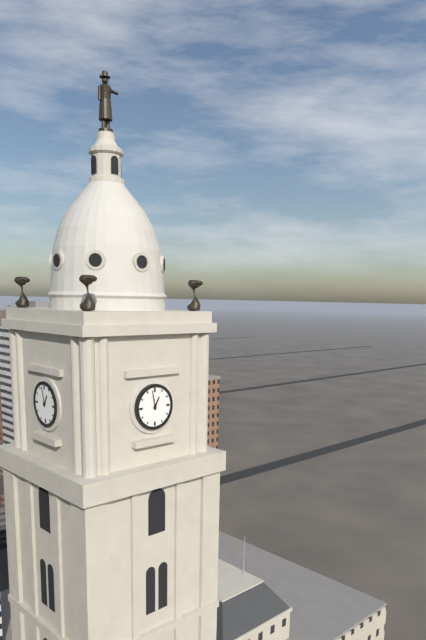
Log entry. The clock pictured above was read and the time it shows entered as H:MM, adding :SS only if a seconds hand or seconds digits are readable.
12:58
